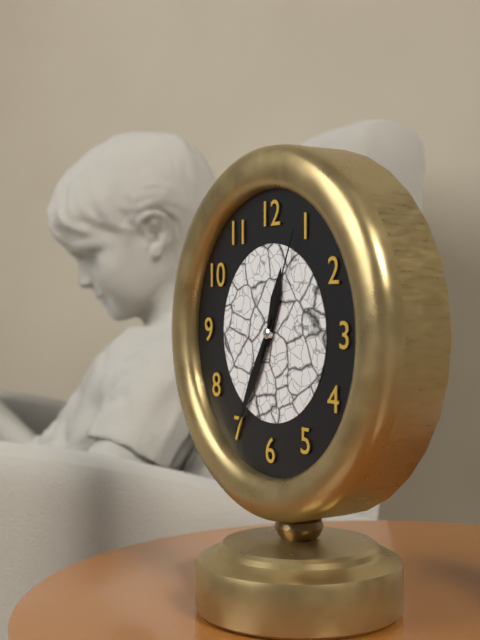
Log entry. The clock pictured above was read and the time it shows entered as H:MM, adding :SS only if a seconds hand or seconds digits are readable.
12:35:04
